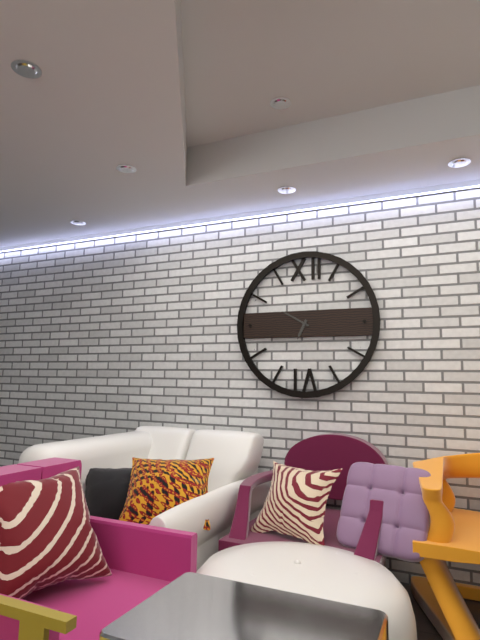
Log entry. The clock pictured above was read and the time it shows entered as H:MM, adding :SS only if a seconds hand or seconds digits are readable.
6:50
